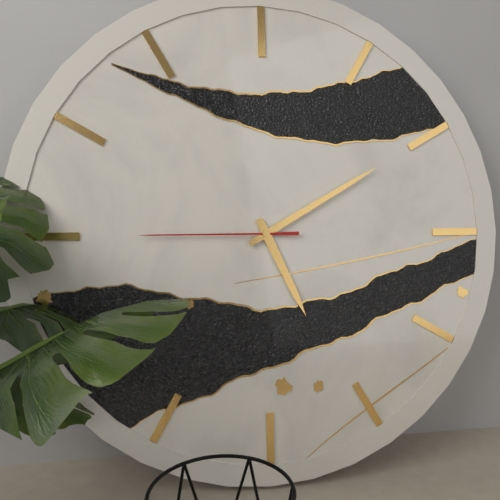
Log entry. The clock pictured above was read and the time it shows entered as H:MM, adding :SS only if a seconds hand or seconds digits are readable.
5:10:45
